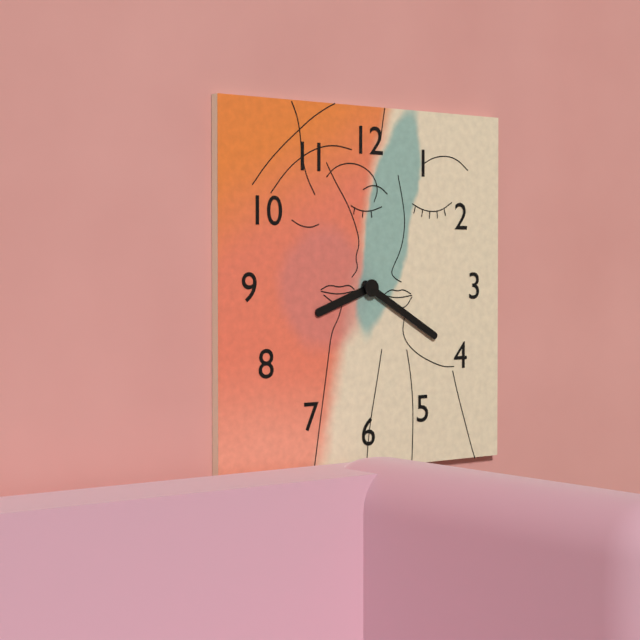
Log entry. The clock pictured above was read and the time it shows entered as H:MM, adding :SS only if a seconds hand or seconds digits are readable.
8:20
